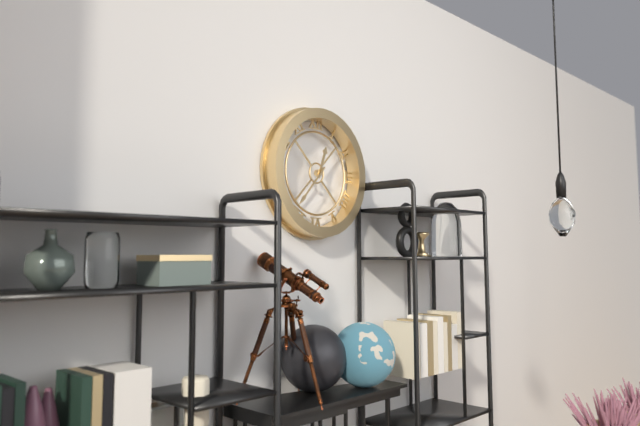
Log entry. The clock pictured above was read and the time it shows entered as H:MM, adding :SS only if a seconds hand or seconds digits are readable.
12:37
